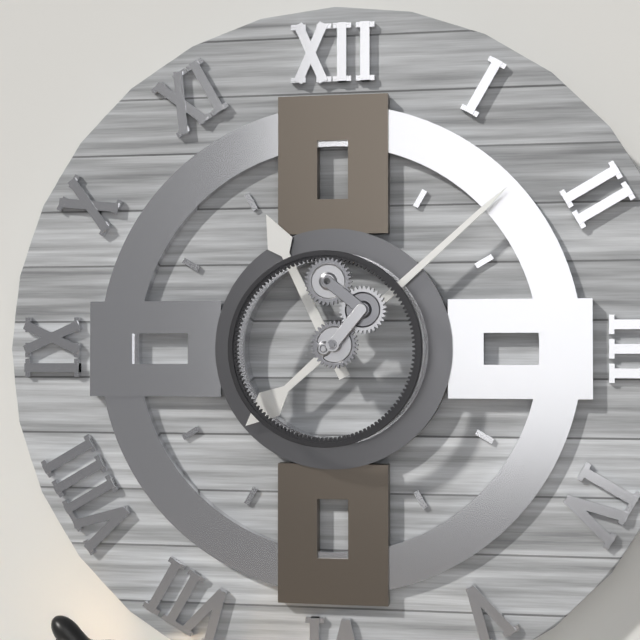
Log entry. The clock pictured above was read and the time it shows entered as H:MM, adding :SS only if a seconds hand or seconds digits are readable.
11:08
